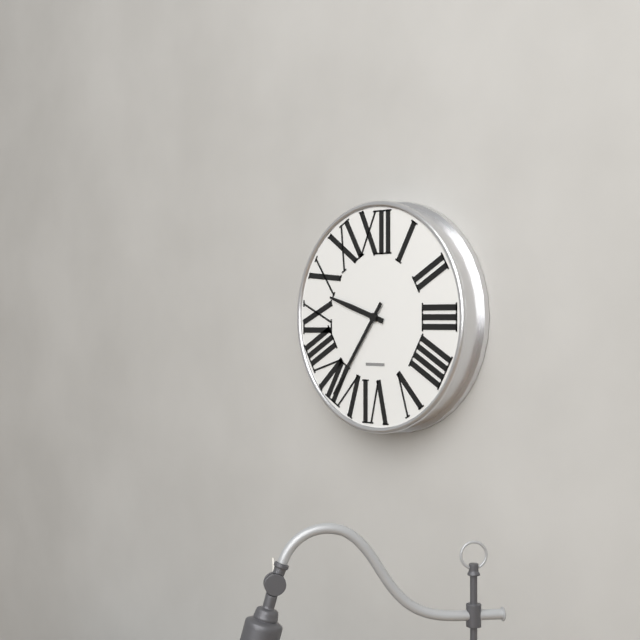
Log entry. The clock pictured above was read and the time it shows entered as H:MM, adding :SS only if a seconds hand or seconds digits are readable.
9:36
